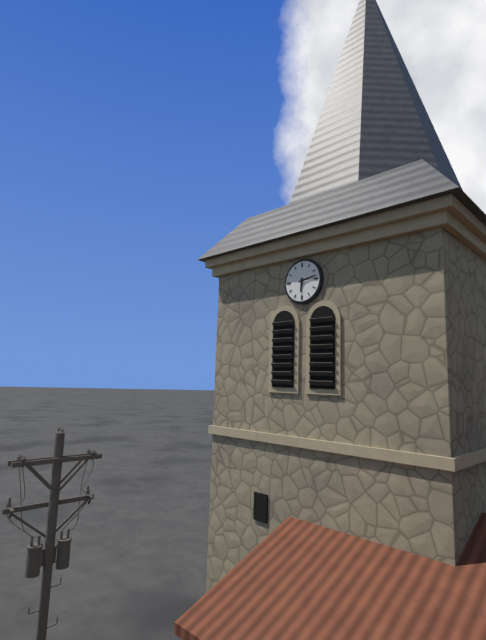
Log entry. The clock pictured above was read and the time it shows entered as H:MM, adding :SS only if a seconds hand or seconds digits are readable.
6:13
